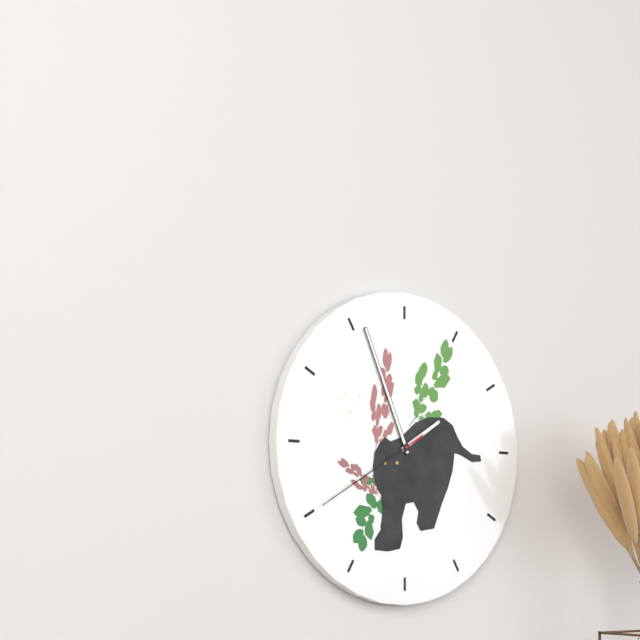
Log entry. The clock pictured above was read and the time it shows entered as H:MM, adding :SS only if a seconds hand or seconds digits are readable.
1:56:40
